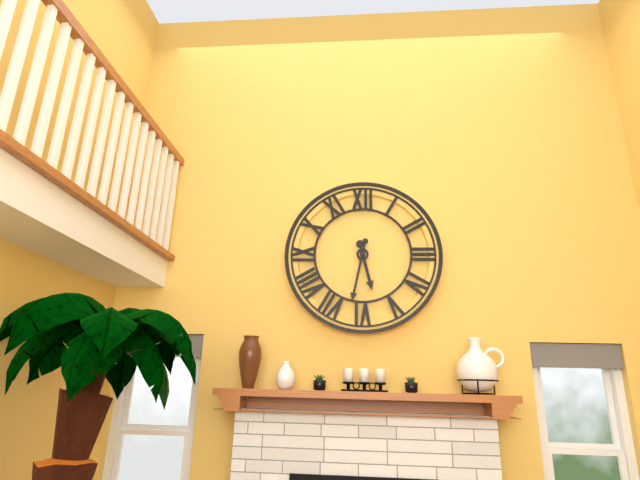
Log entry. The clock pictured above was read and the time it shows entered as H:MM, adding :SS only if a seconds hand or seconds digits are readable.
5:32
